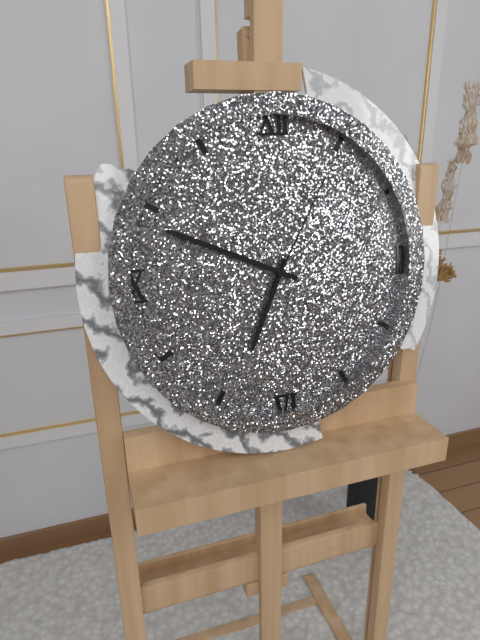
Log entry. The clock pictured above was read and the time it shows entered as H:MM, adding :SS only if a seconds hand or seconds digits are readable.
6:49:05
